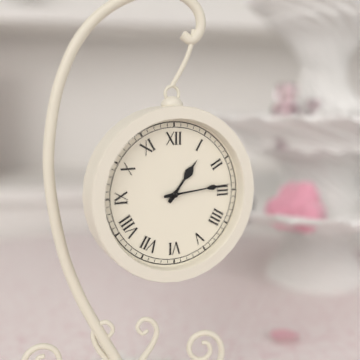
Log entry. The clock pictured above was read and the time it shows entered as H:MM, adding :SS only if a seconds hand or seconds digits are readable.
1:14
